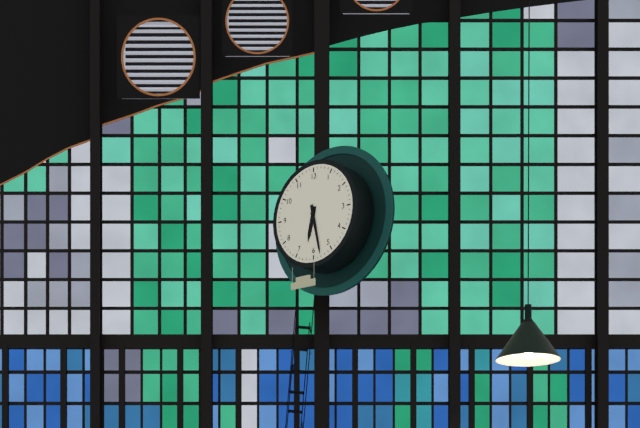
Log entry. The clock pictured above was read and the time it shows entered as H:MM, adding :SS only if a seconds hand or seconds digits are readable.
6:28
